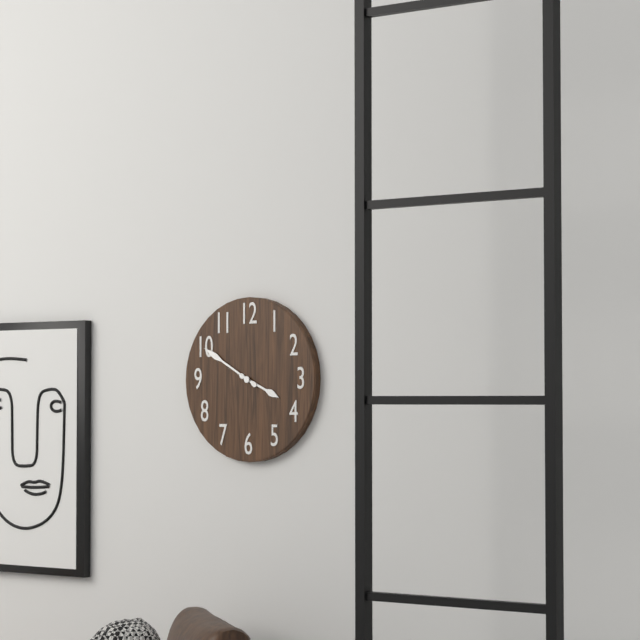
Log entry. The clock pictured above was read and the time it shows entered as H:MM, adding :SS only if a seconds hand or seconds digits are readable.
3:50
